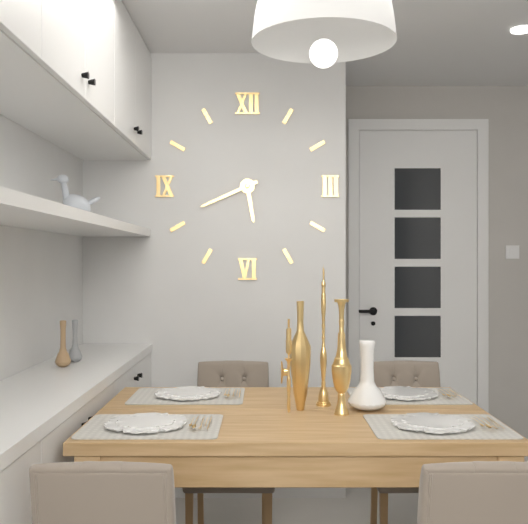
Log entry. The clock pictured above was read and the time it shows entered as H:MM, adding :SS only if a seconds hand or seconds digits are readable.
5:41
